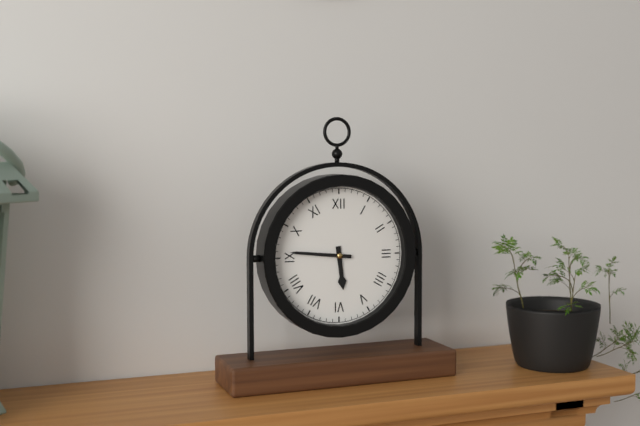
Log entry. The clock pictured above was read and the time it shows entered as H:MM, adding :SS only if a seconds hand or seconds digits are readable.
5:46
